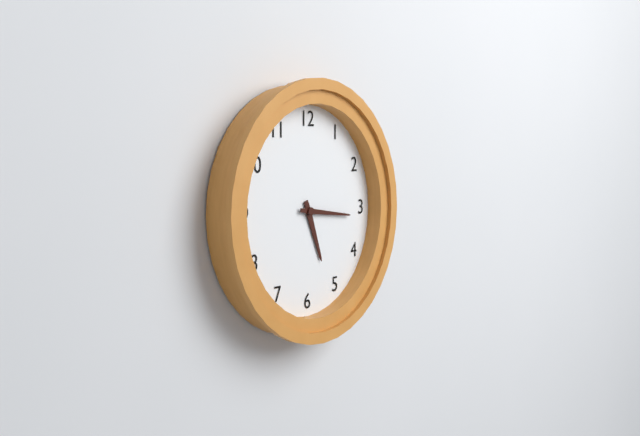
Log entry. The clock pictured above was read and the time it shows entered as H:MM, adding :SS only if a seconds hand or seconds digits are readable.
5:16
